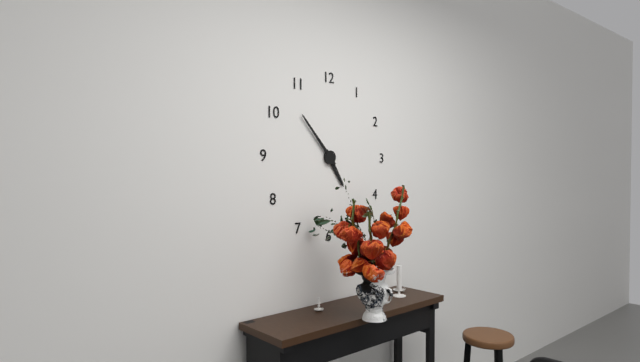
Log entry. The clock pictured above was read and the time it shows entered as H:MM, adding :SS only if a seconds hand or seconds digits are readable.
4:53
